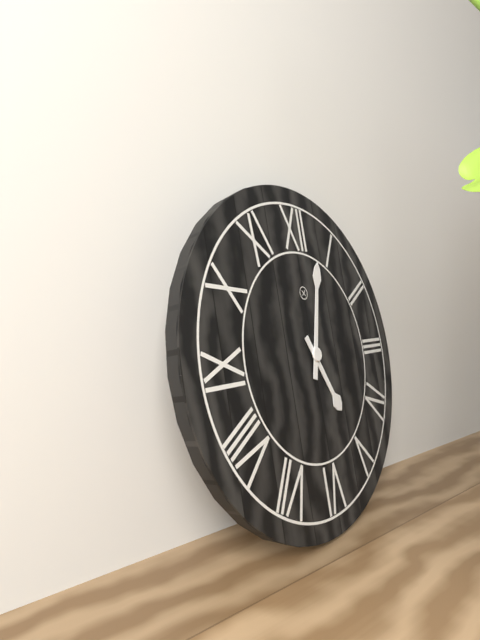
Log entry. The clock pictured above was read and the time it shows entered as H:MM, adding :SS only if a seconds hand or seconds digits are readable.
5:03
